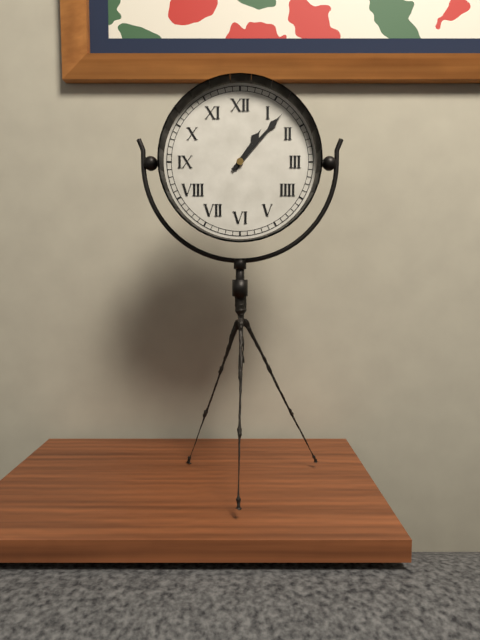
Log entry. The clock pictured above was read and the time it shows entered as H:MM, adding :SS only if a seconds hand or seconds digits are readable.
1:07
